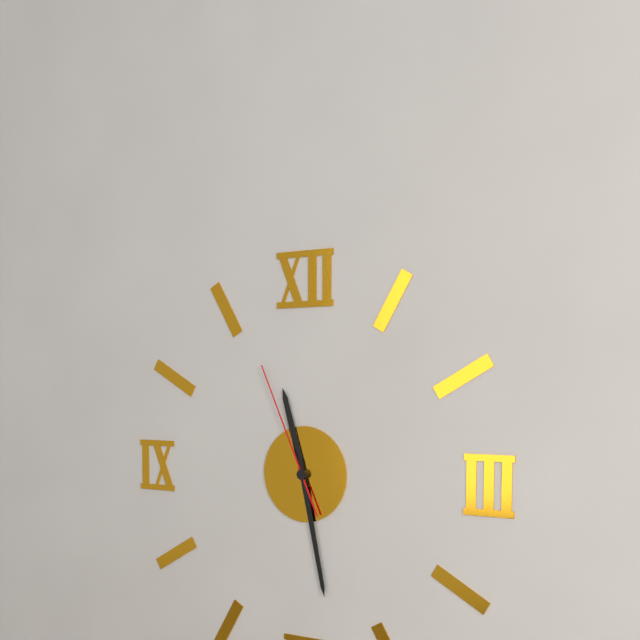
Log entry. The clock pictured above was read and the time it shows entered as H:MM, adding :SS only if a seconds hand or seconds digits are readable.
11:28:56
